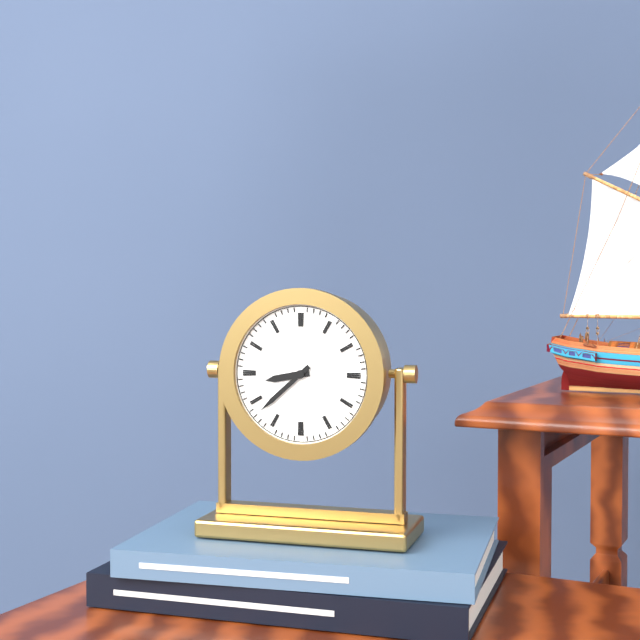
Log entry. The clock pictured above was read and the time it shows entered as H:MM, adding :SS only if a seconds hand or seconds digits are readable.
8:38
